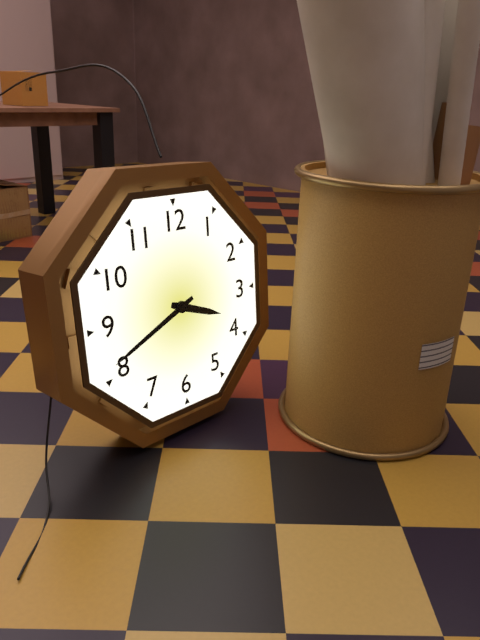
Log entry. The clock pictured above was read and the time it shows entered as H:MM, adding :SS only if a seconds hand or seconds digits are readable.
3:41
